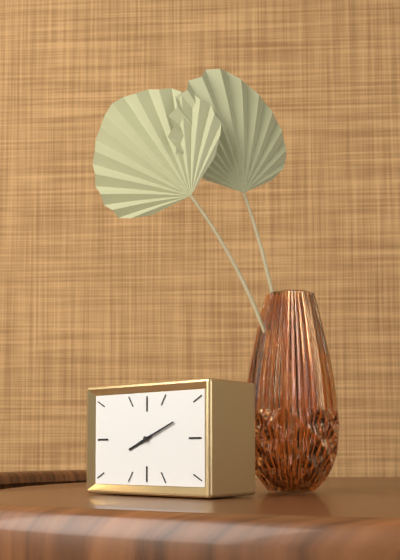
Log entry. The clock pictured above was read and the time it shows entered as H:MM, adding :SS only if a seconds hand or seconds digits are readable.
8:11
